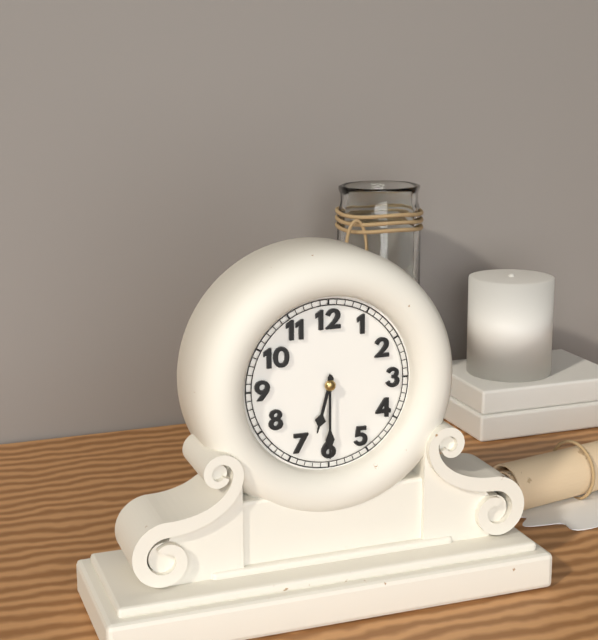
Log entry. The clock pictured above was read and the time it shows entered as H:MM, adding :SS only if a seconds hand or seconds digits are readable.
6:30
